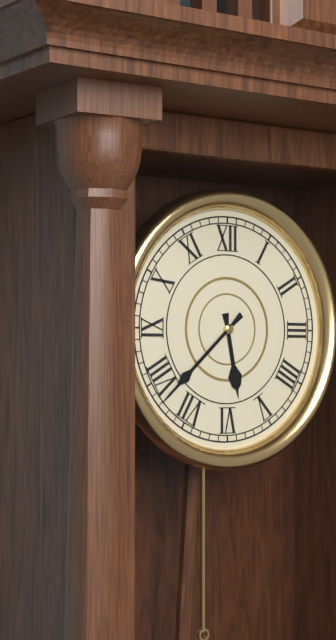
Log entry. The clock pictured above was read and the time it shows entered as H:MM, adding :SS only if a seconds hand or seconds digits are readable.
5:38
